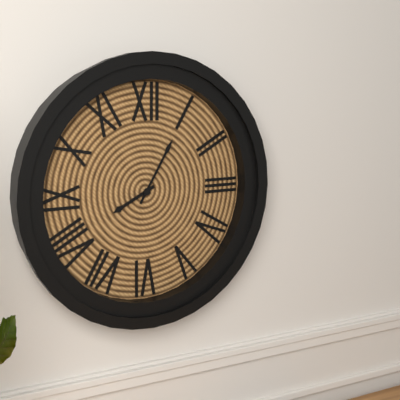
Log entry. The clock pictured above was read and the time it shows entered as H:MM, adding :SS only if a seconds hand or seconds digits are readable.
8:05
